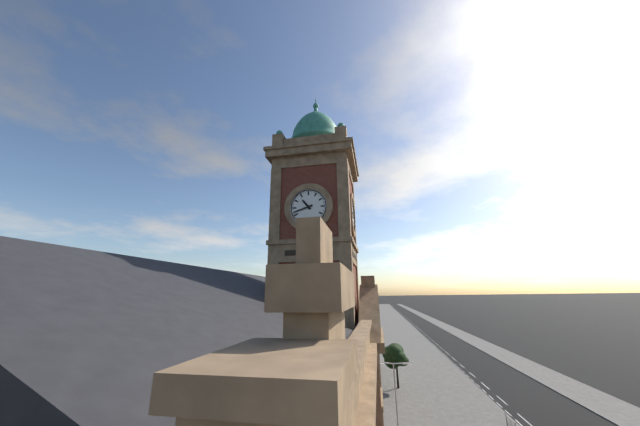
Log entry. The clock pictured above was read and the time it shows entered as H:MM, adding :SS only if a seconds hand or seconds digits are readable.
10:42
